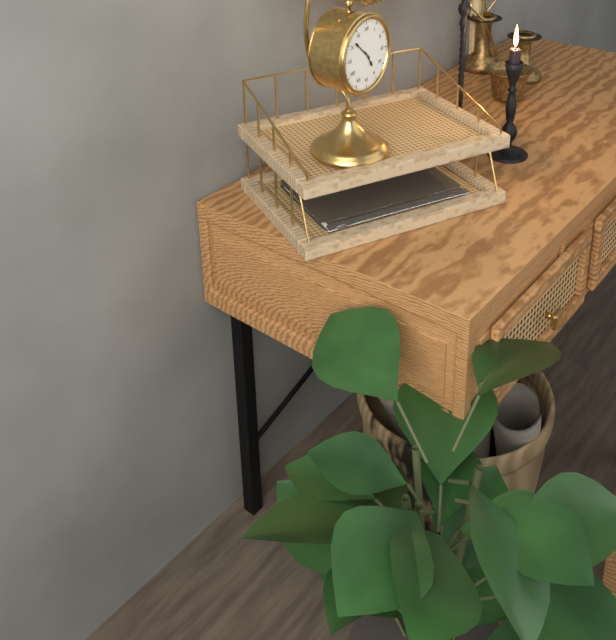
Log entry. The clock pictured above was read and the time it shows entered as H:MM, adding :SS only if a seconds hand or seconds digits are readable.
4:52
